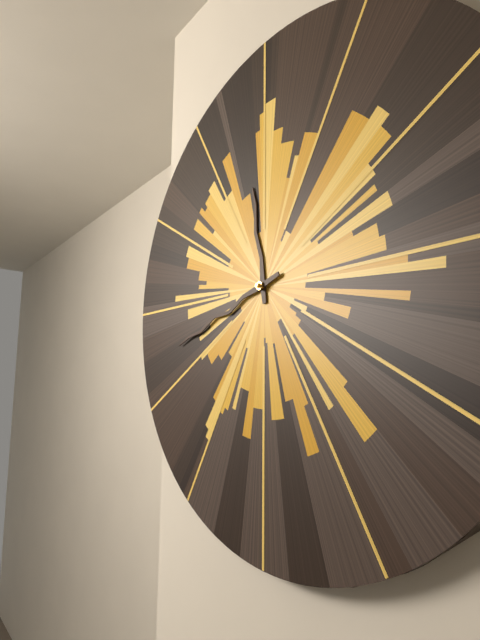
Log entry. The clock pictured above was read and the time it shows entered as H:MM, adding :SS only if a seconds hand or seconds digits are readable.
11:42
